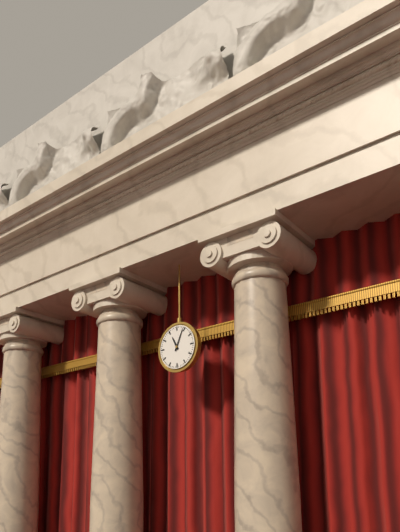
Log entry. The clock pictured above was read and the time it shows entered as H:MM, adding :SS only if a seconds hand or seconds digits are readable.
11:04
